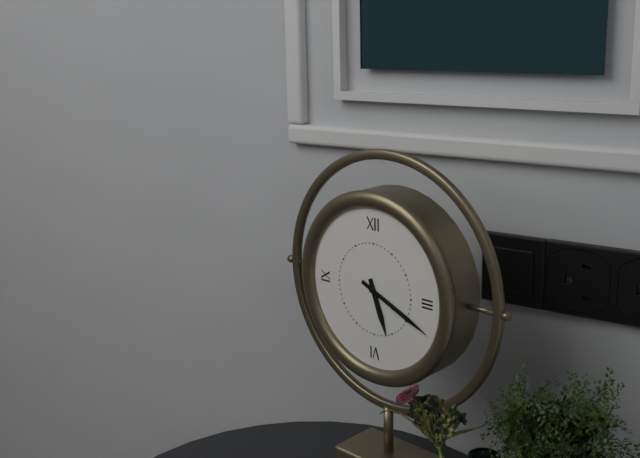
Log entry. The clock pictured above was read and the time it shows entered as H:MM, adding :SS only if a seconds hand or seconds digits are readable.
5:19
